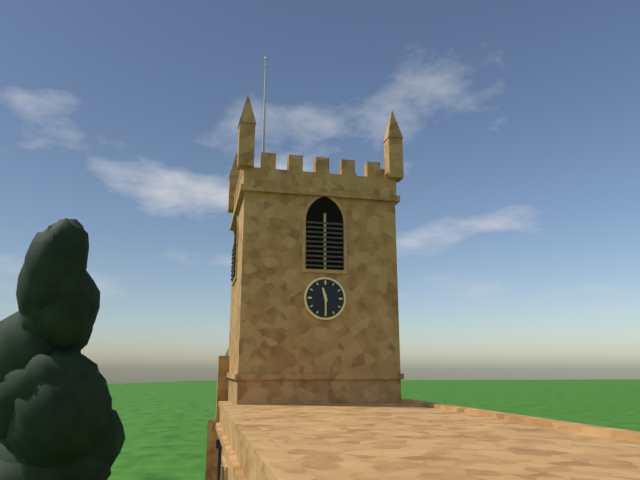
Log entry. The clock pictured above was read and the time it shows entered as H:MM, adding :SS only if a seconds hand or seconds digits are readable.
11:30
